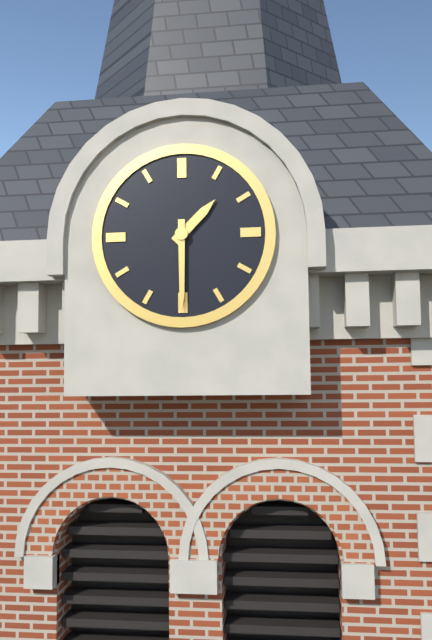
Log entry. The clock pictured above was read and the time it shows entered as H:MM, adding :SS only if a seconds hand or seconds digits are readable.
1:30
